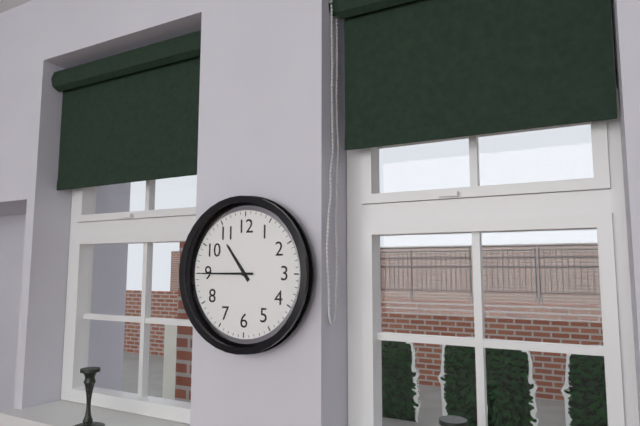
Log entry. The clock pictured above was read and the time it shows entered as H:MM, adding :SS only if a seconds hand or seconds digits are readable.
10:45
